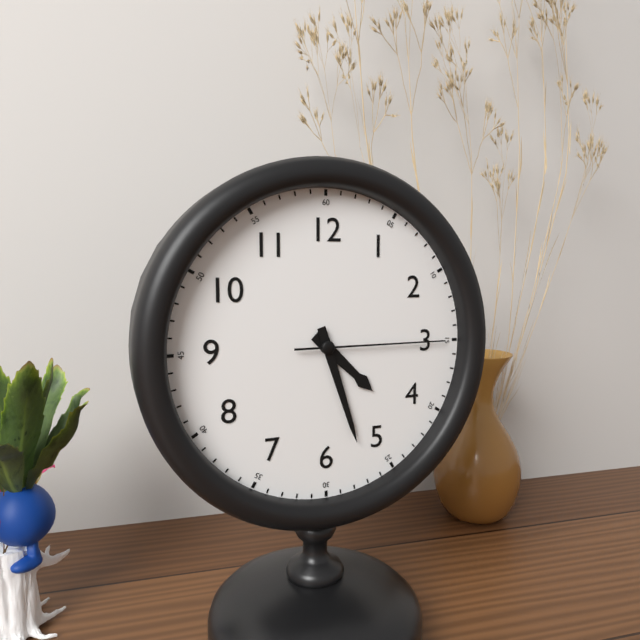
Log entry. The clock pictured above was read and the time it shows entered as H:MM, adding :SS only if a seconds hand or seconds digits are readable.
4:27:15
